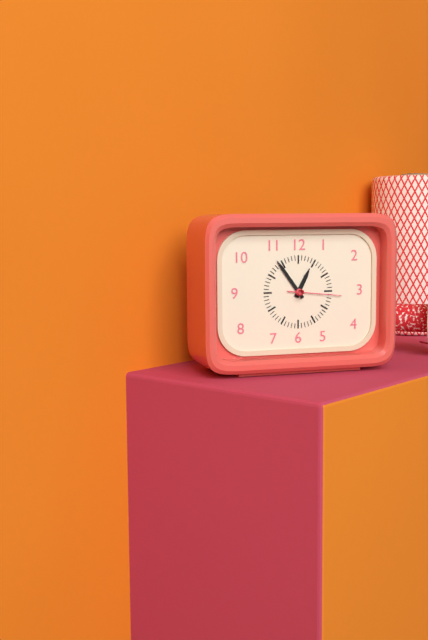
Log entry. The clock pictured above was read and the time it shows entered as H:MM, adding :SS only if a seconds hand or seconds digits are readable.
12:54:16
